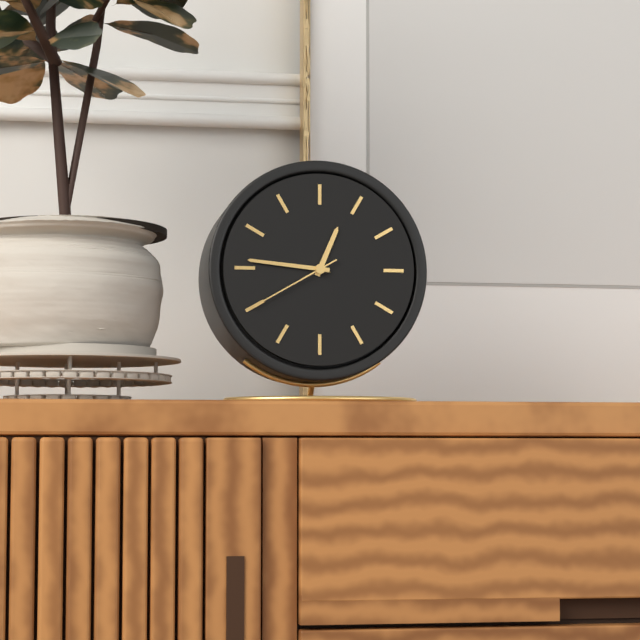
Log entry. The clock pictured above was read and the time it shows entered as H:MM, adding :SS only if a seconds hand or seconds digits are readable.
12:46:40
